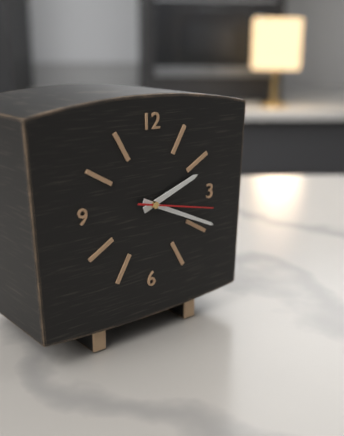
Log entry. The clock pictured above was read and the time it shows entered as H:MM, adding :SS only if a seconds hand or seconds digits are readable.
2:19:17
